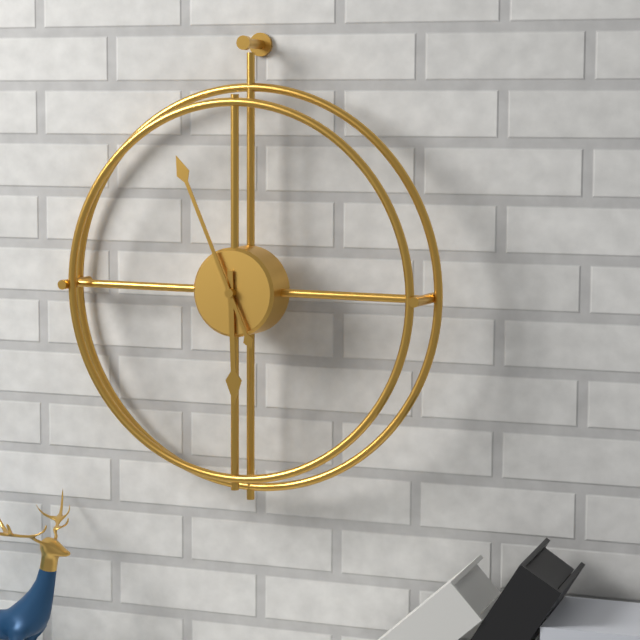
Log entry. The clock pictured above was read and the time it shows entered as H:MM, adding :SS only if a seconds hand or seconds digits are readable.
5:56
